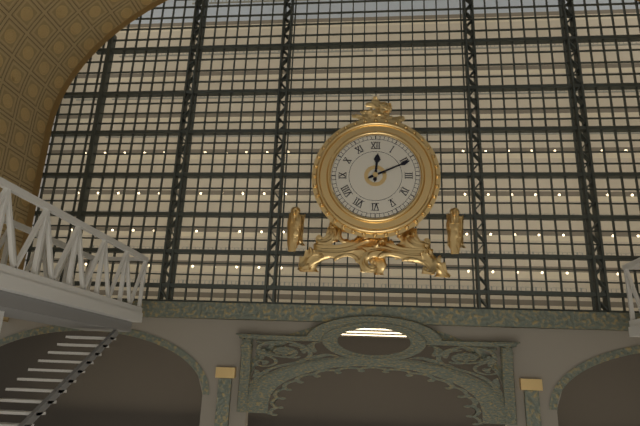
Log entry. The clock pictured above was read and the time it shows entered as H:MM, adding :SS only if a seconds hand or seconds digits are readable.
12:11
